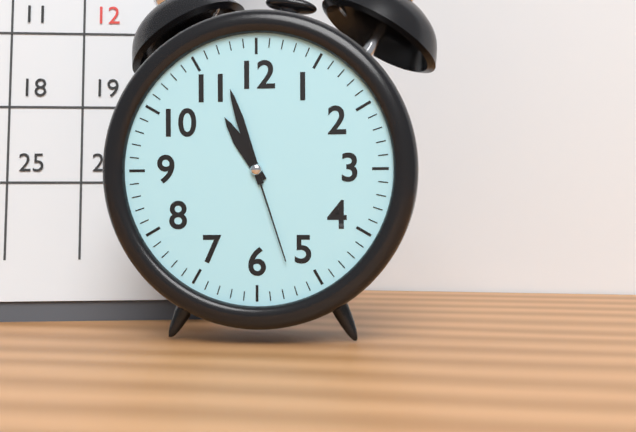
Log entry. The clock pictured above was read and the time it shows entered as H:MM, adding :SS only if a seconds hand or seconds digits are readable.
10:57:27
